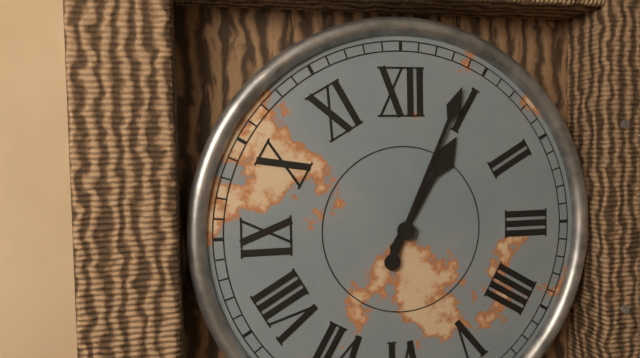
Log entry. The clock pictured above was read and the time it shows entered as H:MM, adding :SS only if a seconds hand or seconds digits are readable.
1:04
